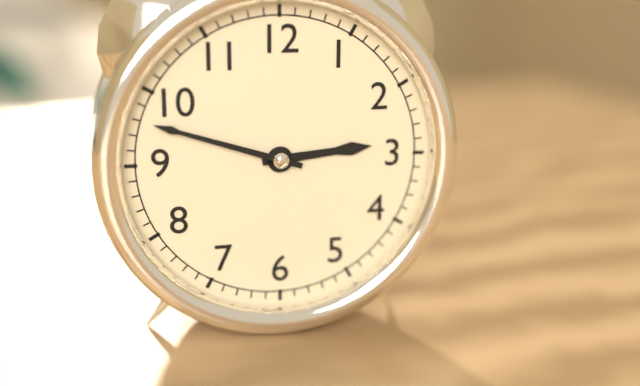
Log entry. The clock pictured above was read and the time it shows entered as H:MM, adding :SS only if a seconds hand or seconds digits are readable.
2:48
